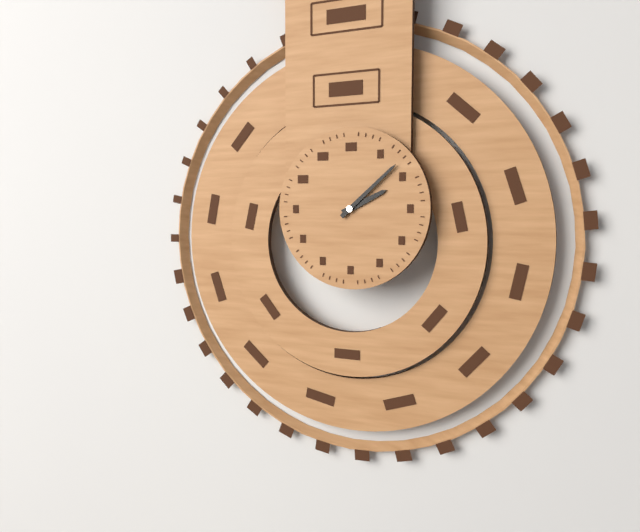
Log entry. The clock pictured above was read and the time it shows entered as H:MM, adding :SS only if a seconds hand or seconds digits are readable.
2:08
